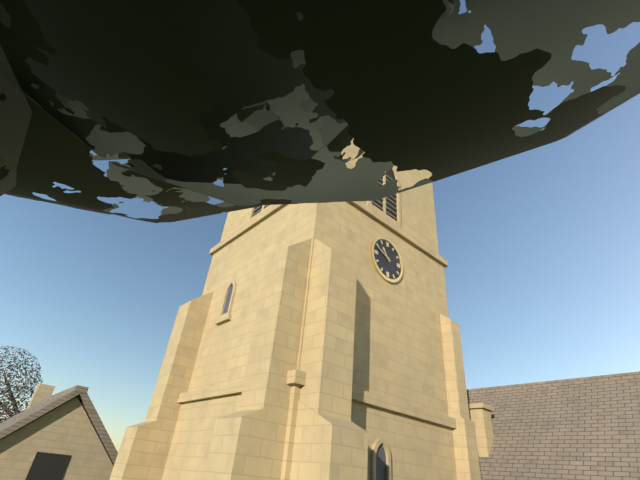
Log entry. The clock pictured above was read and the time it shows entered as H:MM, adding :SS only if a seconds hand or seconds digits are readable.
10:49
